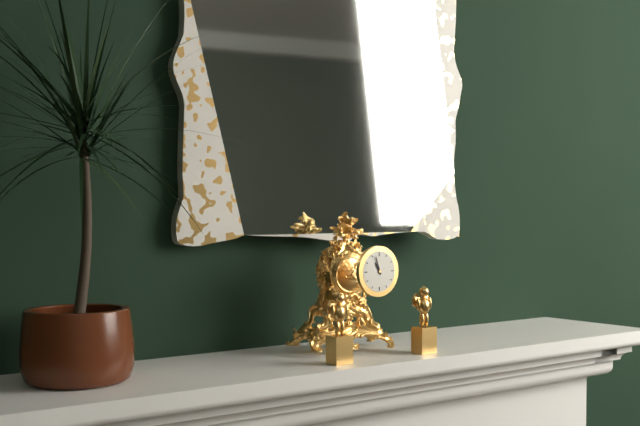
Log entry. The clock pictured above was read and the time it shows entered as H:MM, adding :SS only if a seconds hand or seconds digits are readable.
10:57
